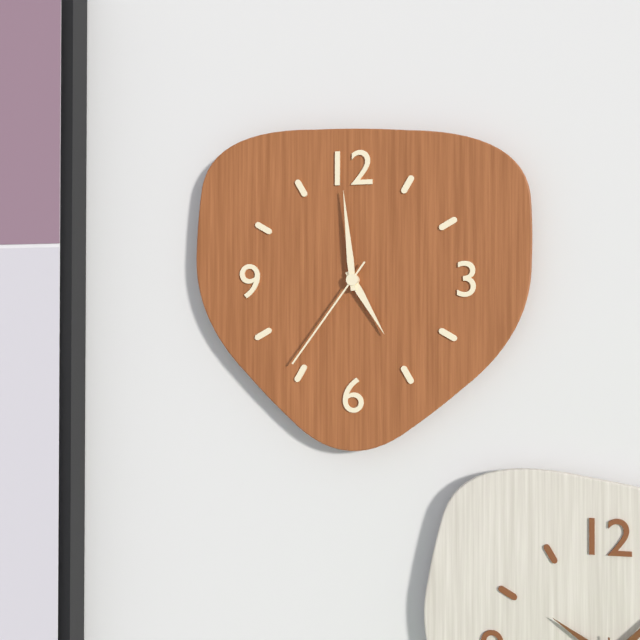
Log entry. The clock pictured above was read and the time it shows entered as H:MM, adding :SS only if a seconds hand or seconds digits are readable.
4:59:36
